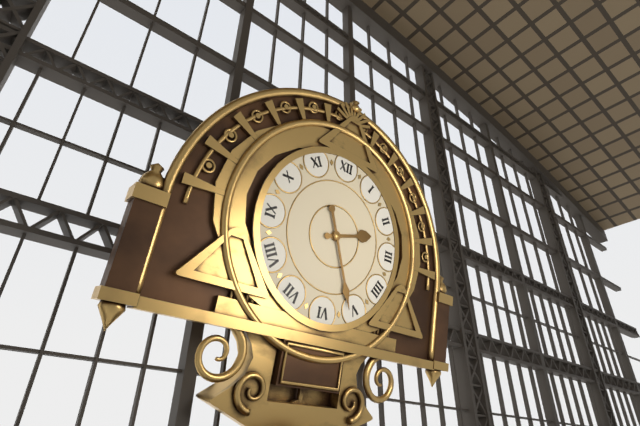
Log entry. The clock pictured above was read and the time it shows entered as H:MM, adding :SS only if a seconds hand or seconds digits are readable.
2:26
